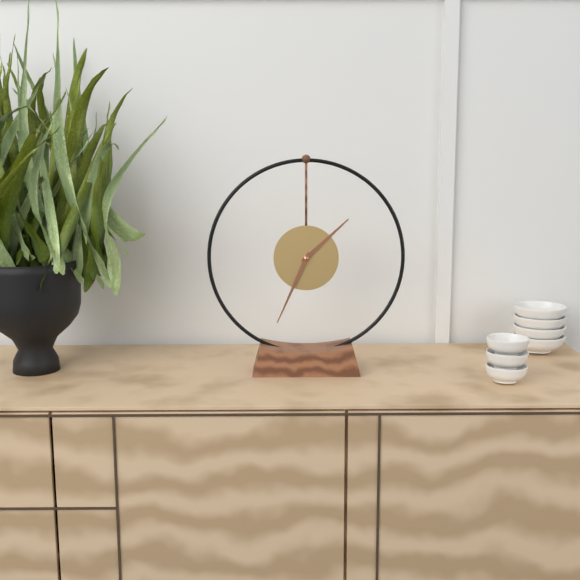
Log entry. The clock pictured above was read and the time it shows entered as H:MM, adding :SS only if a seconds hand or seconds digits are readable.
1:34
